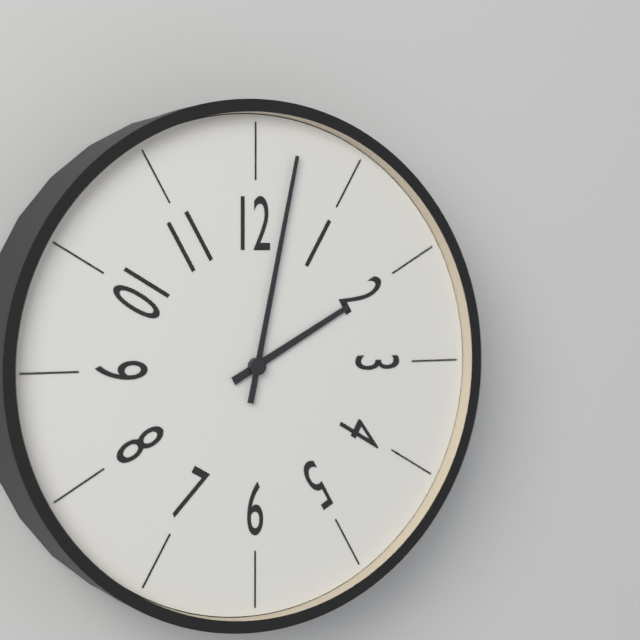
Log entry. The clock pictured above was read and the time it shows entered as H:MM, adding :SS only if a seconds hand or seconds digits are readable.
2:02
